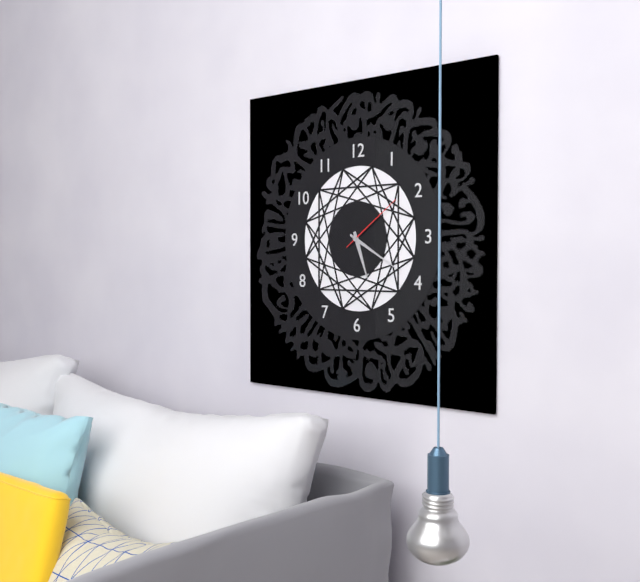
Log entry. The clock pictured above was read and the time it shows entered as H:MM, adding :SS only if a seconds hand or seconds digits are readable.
5:20:09
